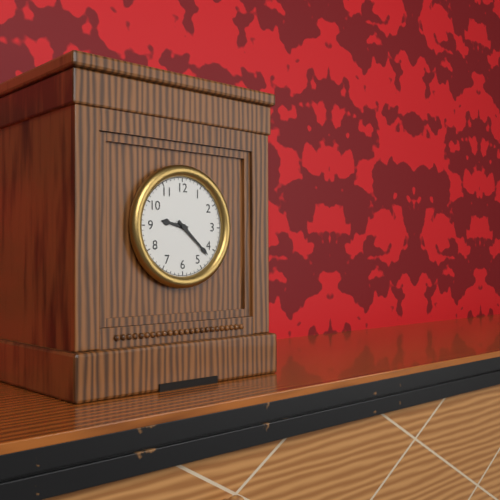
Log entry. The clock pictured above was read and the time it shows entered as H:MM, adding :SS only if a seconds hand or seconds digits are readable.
9:22
